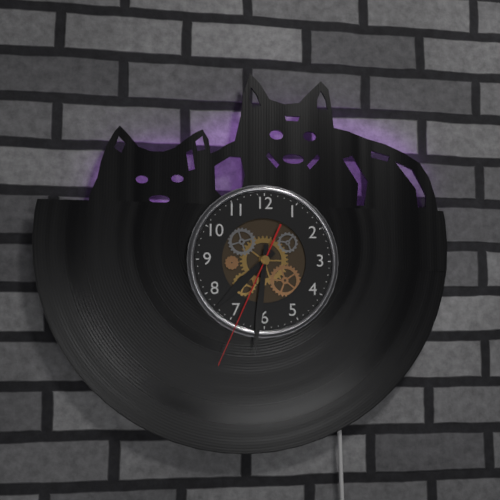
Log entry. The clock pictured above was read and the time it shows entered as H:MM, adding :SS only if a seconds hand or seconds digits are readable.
7:31:34
